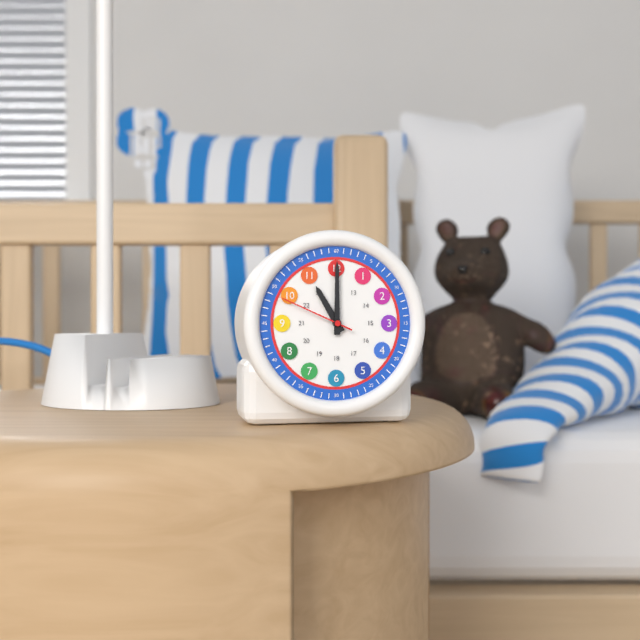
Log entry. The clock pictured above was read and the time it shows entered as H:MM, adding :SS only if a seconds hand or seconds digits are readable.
11:00:49
